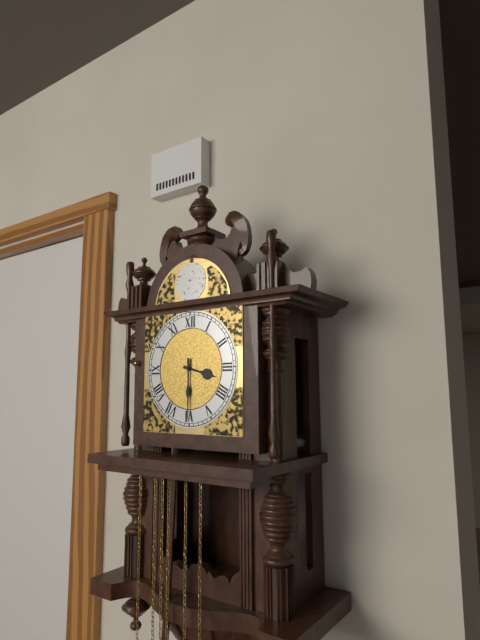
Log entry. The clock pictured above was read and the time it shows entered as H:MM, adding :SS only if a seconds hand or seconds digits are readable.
3:30
